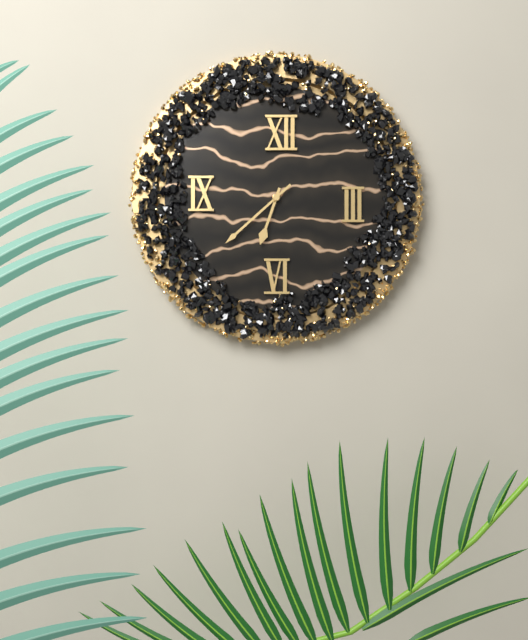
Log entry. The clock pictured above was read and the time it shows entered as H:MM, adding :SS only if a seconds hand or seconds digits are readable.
6:38
